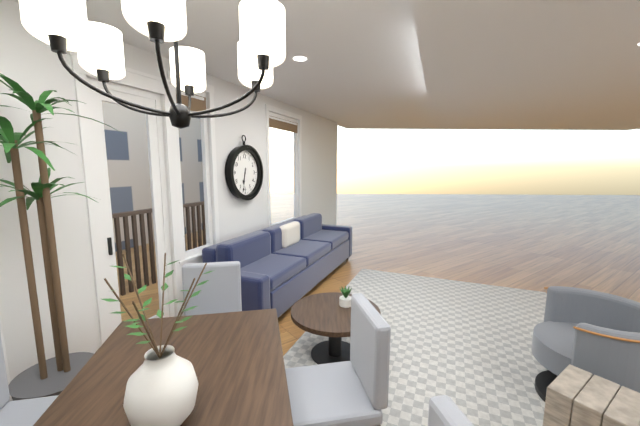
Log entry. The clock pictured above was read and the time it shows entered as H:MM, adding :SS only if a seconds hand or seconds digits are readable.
6:32
